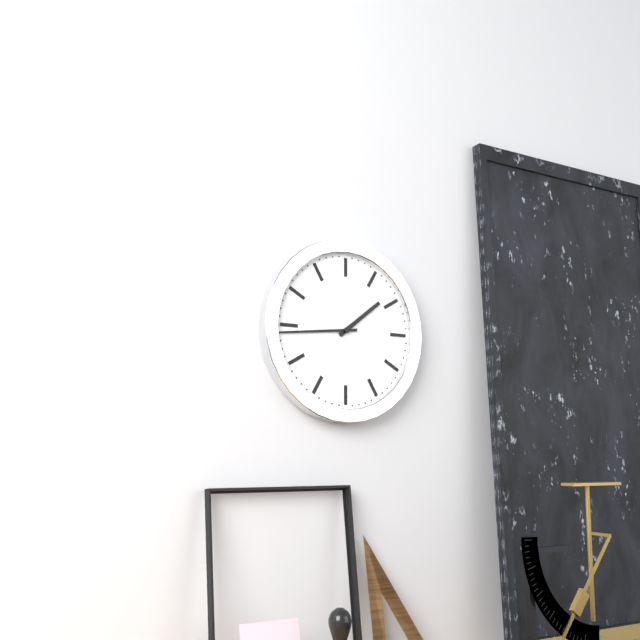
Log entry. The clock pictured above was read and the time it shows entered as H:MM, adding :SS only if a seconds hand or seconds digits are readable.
1:44
